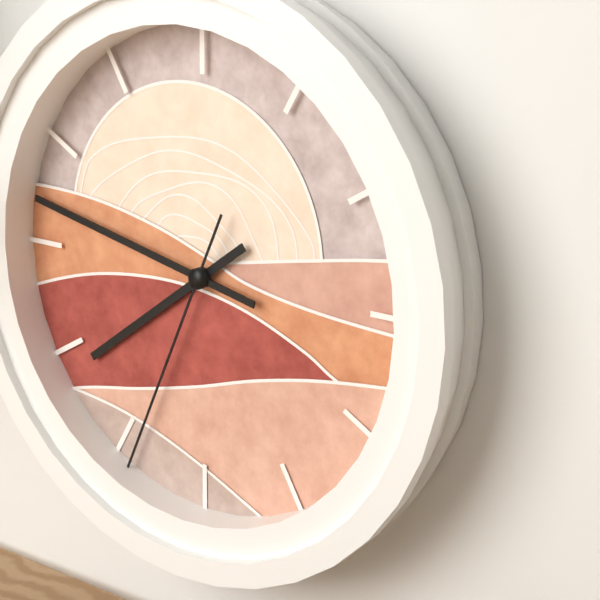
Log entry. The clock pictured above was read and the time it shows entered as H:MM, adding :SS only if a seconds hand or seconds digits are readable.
7:47:34
